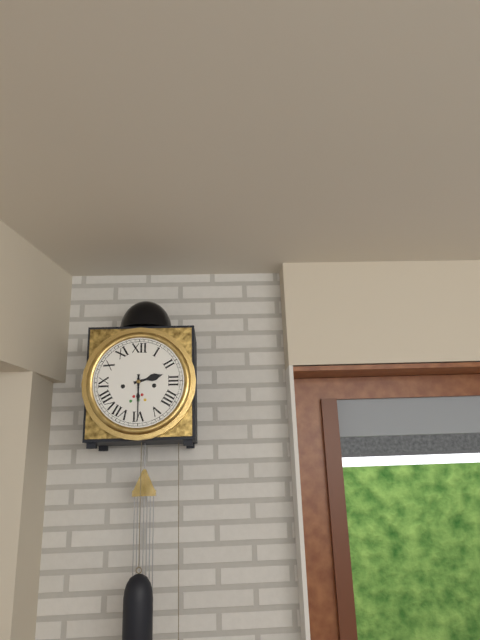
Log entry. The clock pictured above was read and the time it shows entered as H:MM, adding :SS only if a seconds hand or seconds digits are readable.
2:30
